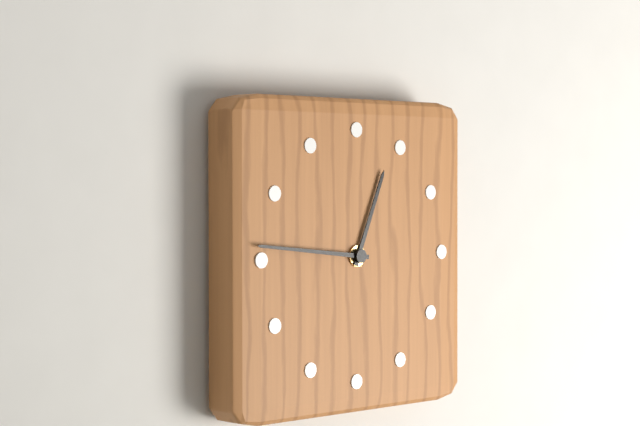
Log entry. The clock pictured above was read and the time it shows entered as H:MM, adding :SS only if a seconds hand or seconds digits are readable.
12:46
